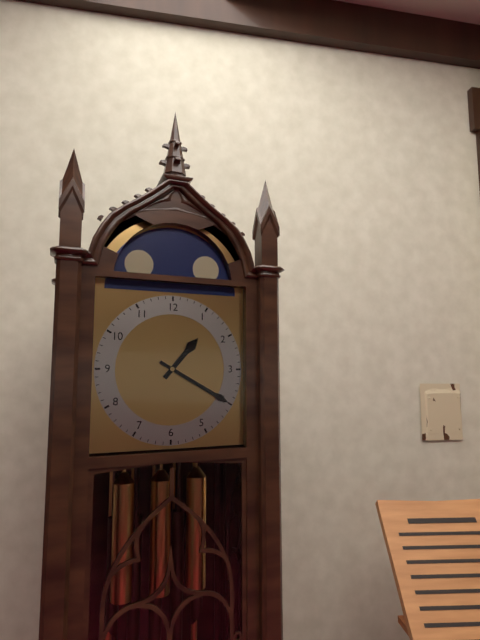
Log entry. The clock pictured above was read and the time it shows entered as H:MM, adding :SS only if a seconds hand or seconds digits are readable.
1:20
